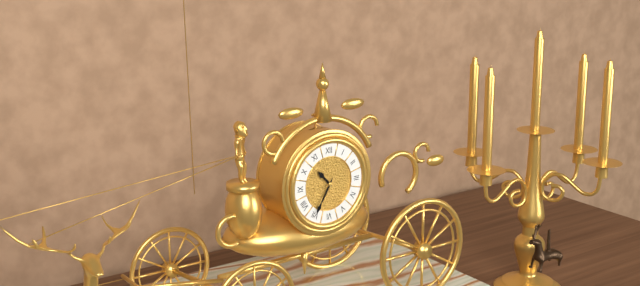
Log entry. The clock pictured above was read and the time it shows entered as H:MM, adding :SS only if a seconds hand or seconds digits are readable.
10:35
